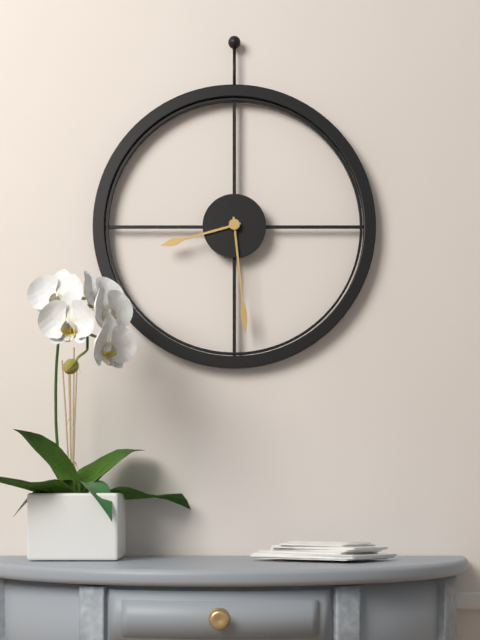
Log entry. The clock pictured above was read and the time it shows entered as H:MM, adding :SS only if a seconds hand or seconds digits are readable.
8:29
